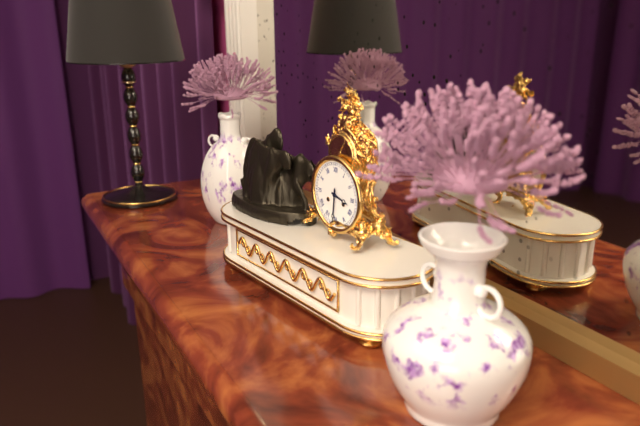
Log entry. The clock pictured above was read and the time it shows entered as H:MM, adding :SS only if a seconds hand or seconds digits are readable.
3:31
